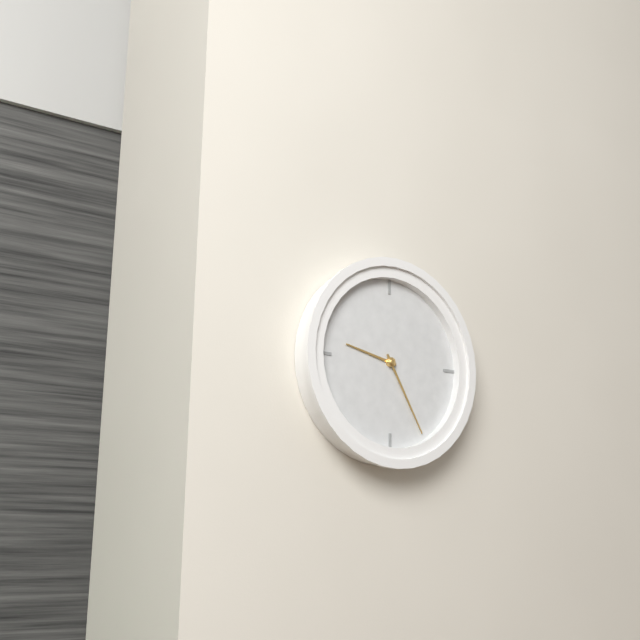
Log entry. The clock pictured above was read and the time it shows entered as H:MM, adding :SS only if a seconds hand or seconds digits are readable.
9:25
